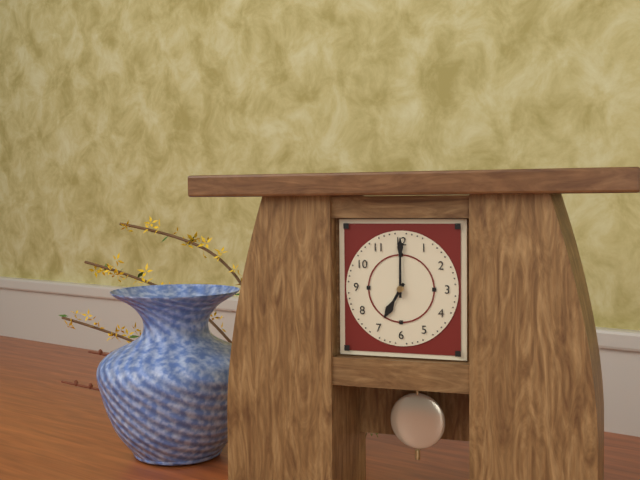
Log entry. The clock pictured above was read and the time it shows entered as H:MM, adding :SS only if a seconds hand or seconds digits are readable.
7:00
